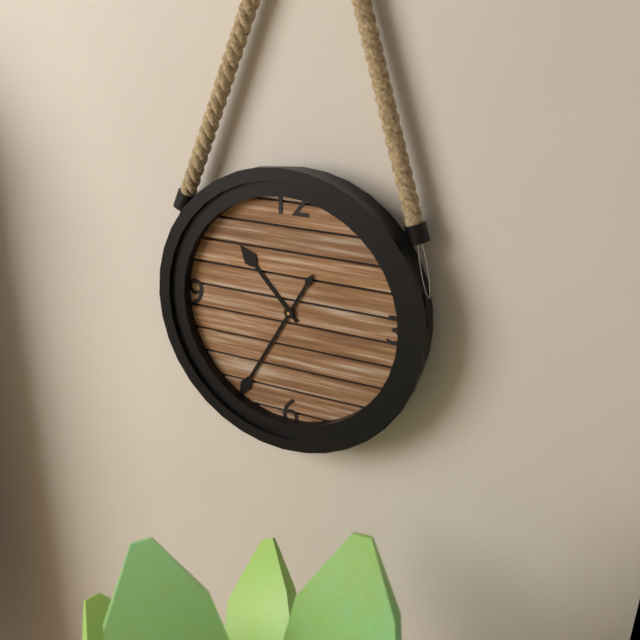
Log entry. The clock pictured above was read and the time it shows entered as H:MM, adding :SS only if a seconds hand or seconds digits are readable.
10:35
